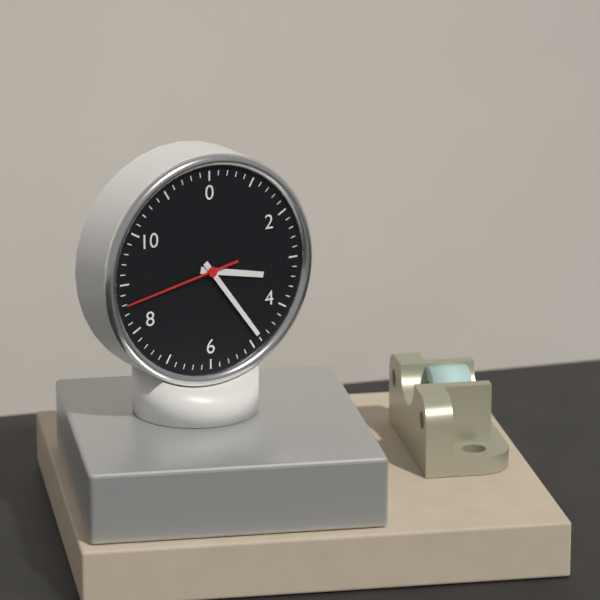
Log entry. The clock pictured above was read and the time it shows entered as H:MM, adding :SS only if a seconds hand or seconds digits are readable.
3:24:43
